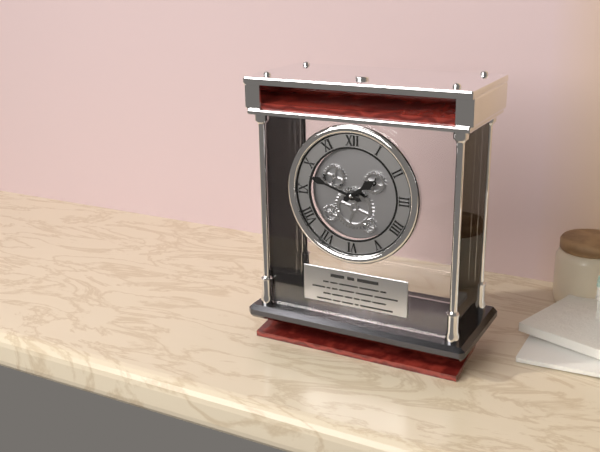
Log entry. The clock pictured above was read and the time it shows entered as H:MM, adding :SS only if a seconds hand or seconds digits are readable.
1:48
